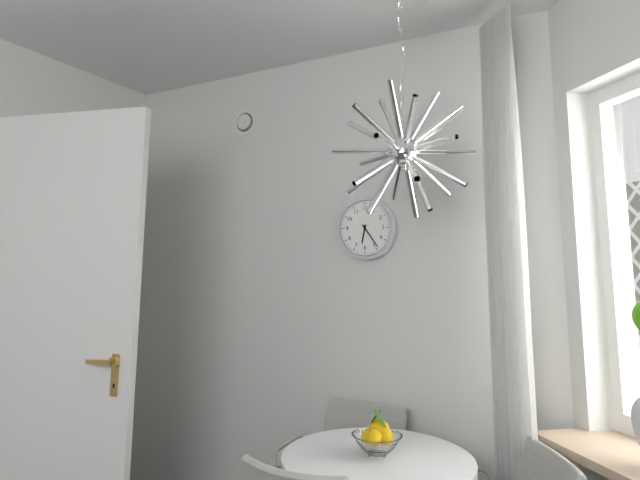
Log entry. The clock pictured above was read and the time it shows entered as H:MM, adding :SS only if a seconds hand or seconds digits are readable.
6:24
